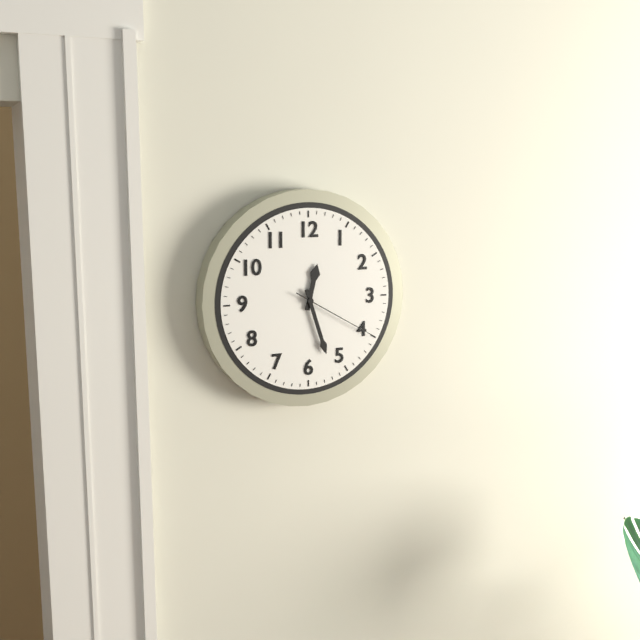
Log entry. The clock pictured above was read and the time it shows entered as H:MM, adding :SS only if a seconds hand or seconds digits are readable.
12:27:20
